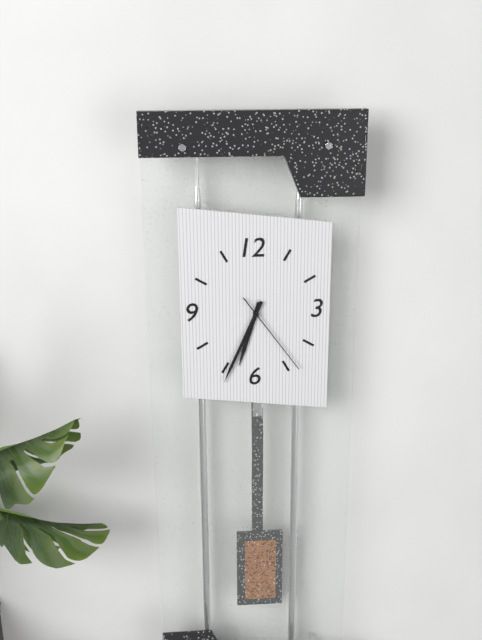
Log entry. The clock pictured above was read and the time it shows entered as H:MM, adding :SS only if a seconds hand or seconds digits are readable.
6:34:24
